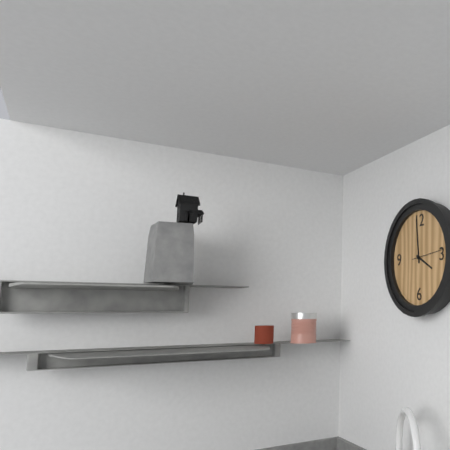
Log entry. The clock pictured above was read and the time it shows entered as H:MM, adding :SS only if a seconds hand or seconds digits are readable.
3:59
